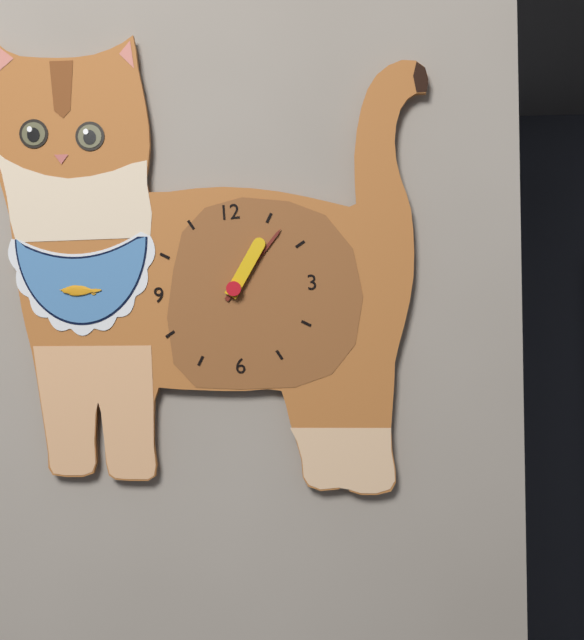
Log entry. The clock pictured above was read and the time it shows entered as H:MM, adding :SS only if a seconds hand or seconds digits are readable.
1:07
